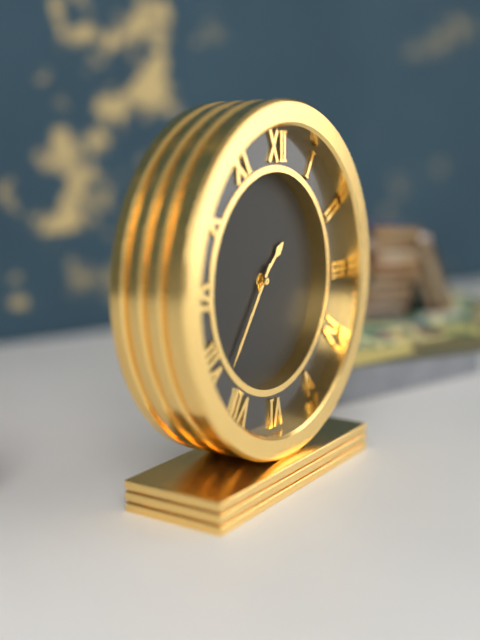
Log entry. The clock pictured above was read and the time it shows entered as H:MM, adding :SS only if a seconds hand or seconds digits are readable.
1:36
